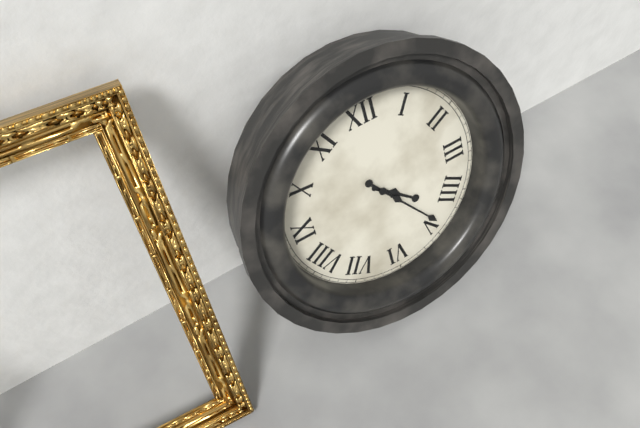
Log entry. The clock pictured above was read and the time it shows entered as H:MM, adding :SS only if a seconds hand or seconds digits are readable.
4:24
